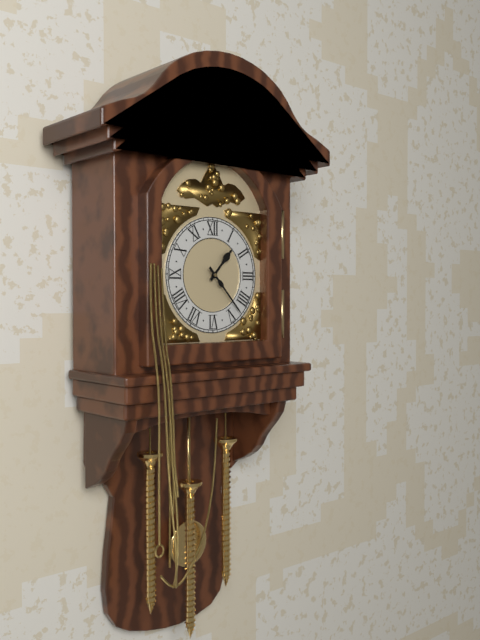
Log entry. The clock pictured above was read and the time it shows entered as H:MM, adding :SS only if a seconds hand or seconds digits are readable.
1:23
